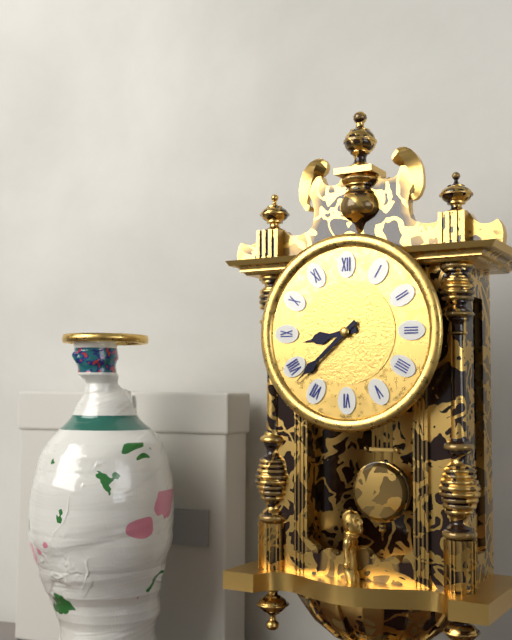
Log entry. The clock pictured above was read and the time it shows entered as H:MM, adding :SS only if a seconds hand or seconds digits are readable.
8:38
